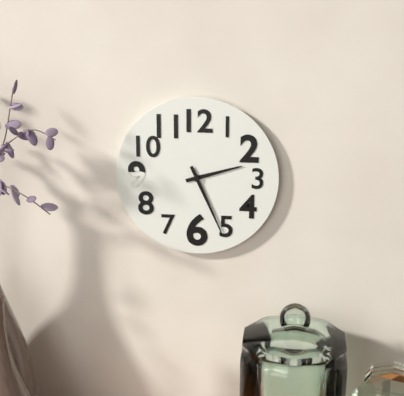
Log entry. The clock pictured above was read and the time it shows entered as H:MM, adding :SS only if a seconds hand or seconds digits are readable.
2:26
